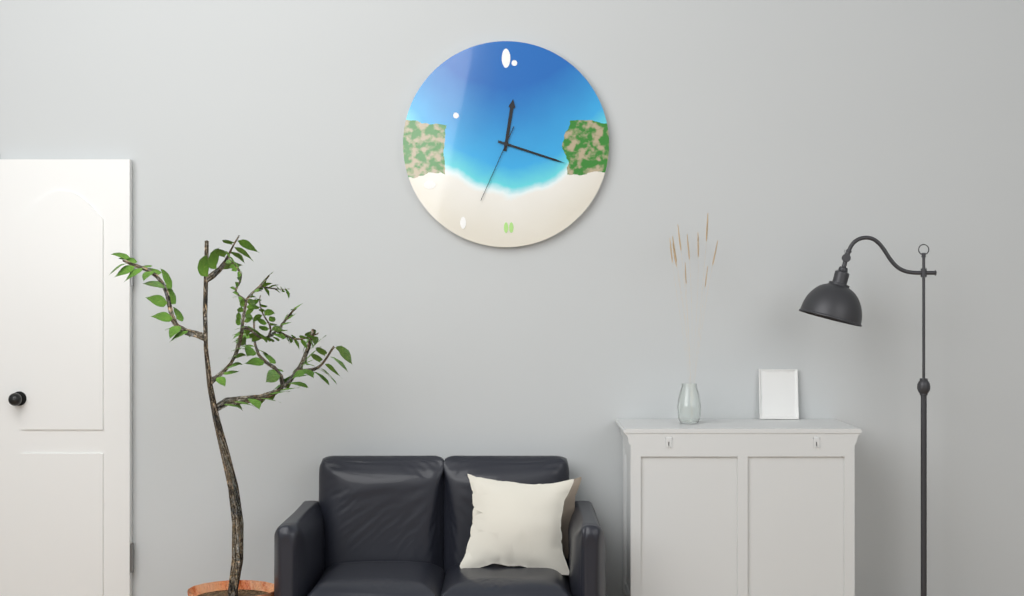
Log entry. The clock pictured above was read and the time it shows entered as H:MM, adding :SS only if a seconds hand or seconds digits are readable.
12:18:34
